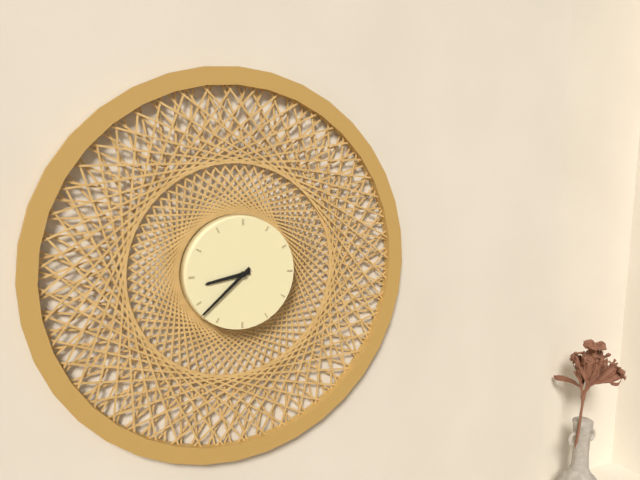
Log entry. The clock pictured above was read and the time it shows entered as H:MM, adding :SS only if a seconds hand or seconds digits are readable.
8:38
